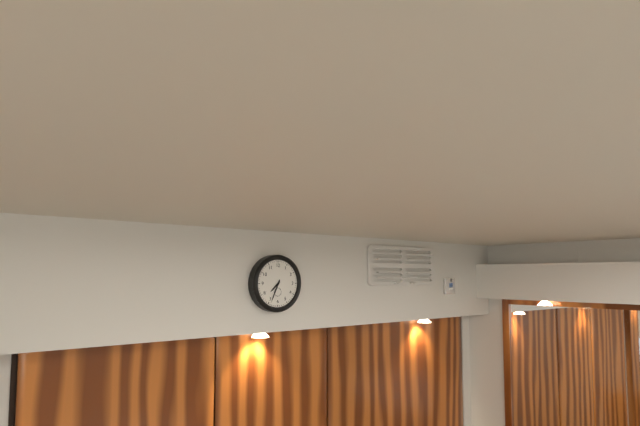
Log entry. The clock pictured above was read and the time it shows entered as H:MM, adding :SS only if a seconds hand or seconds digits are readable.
7:34
